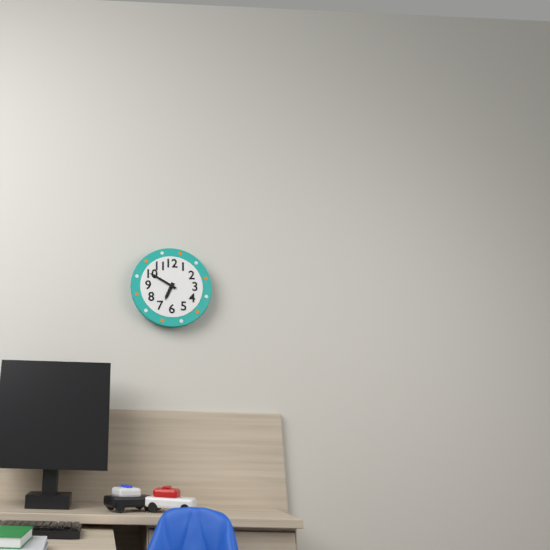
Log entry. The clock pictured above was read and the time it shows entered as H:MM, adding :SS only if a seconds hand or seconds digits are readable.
6:50
